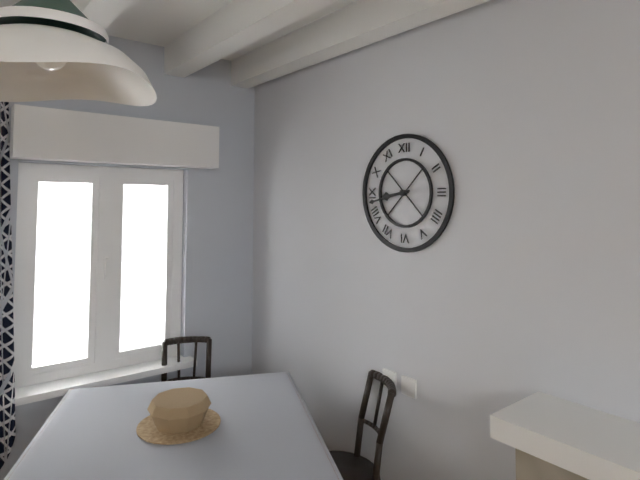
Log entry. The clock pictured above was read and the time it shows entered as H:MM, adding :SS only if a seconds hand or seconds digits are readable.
8:43
